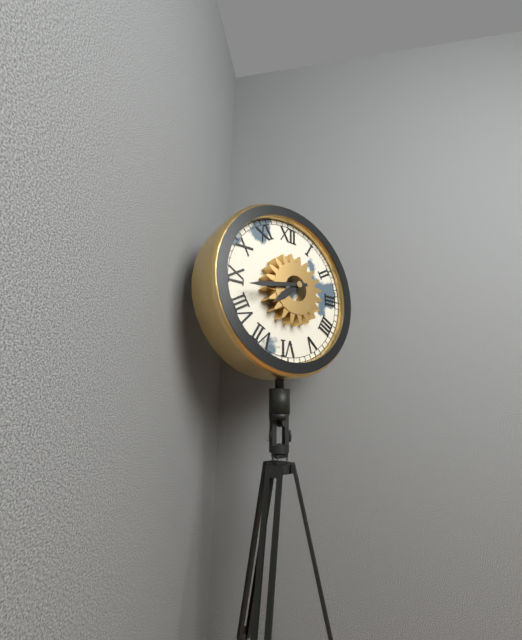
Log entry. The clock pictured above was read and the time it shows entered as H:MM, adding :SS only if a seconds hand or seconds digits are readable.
7:43
